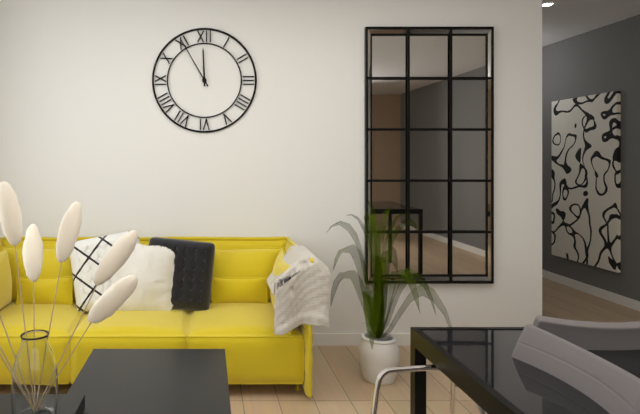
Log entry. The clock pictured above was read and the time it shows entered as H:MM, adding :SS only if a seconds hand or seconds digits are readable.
11:55
